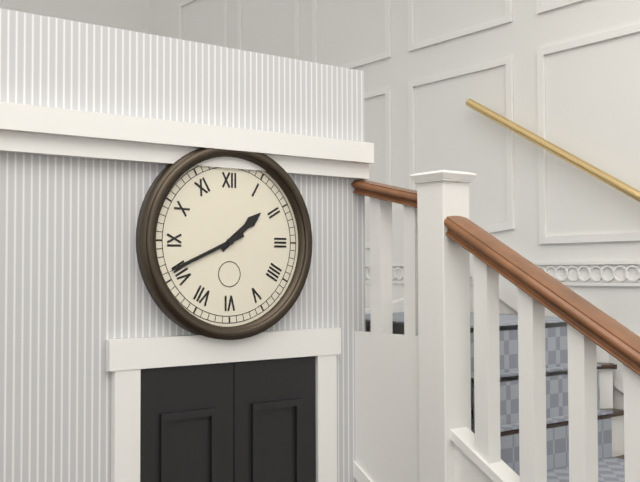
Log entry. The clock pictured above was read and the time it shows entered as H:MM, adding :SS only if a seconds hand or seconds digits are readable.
1:41
